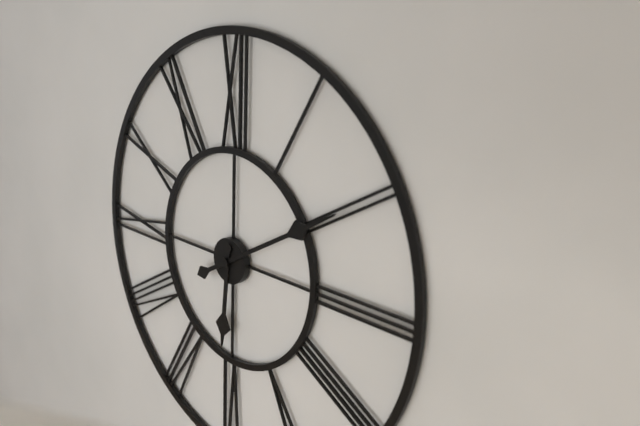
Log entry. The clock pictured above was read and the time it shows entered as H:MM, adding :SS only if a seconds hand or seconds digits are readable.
6:10
